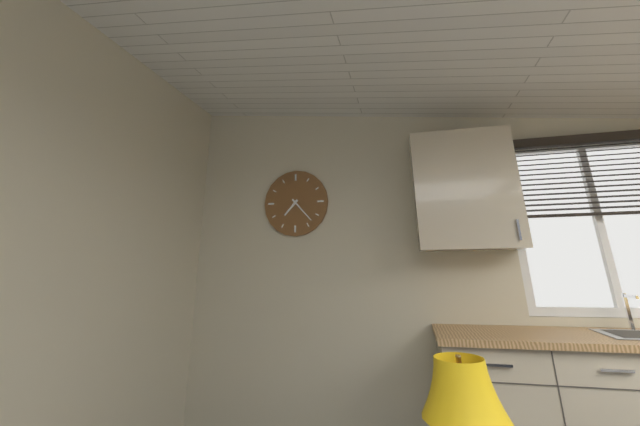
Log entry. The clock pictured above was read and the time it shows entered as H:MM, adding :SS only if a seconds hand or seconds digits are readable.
7:23
